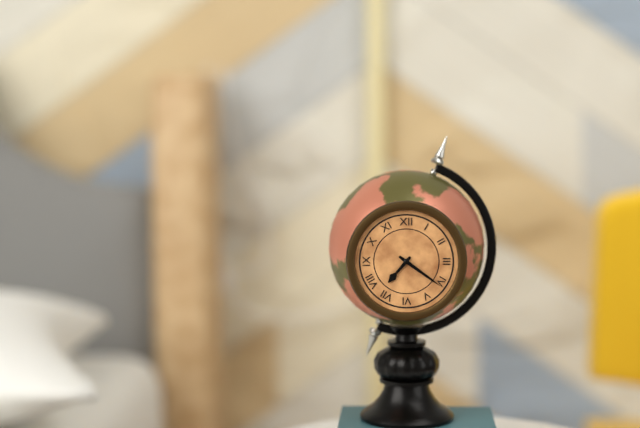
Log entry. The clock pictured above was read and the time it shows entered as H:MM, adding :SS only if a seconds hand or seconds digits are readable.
7:21
